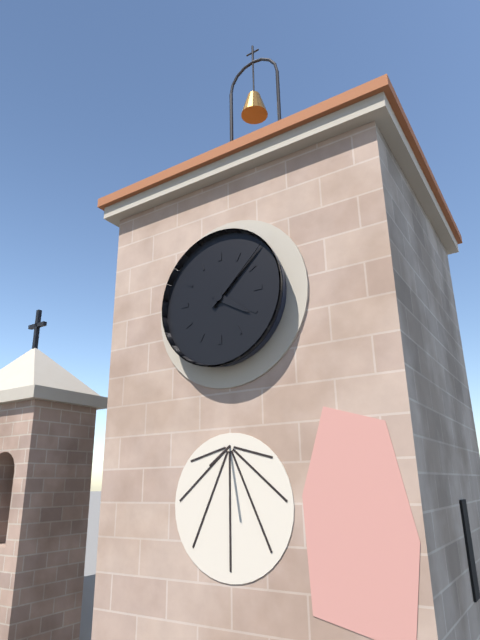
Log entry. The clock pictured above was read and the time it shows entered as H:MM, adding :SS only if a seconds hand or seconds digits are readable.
4:08
